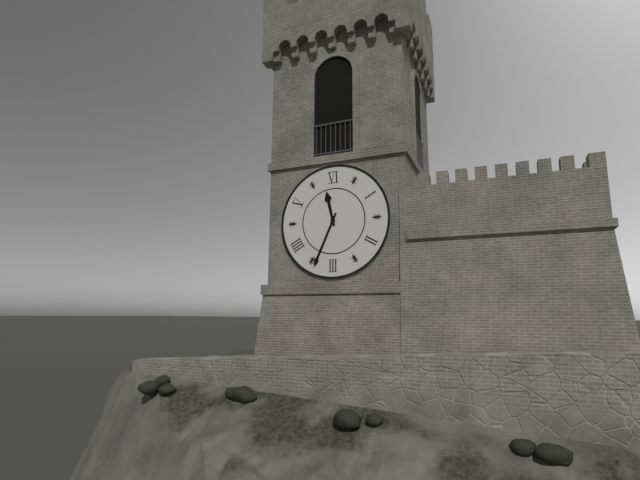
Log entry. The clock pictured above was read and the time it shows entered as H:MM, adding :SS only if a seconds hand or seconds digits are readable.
11:34
